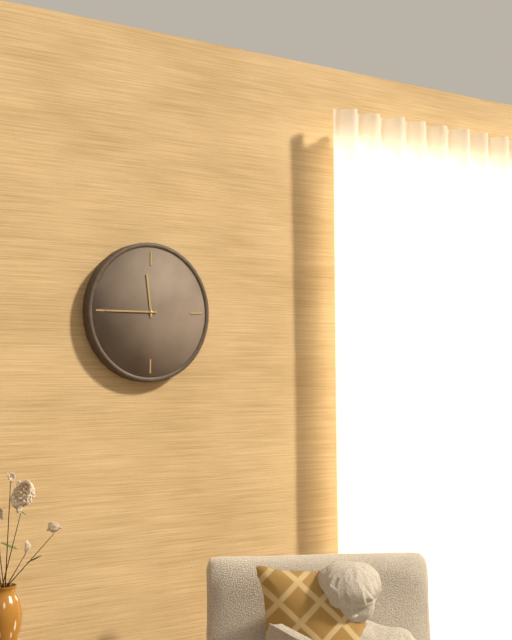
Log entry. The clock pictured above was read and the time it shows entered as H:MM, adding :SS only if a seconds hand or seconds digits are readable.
11:45
